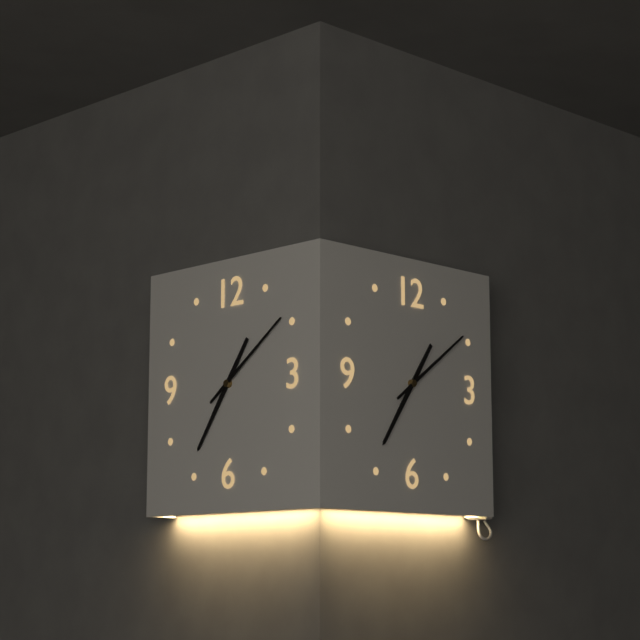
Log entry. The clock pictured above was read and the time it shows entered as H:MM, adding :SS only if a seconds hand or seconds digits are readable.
7:09
